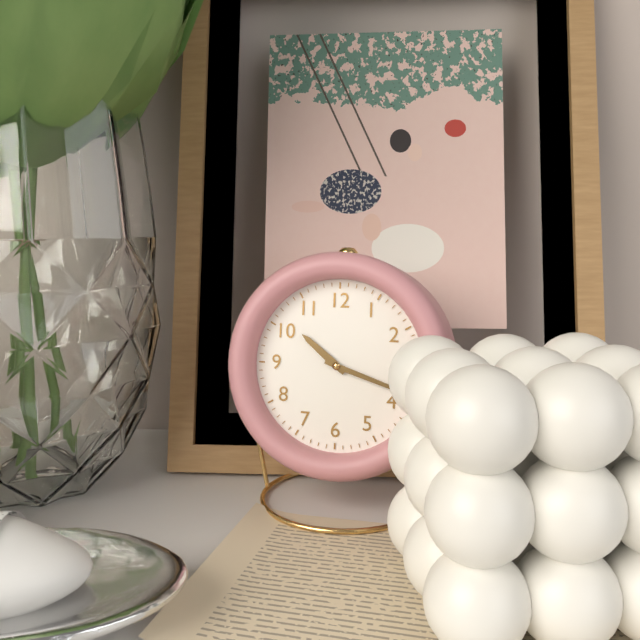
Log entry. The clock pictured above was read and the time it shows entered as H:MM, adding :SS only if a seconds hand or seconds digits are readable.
10:18
